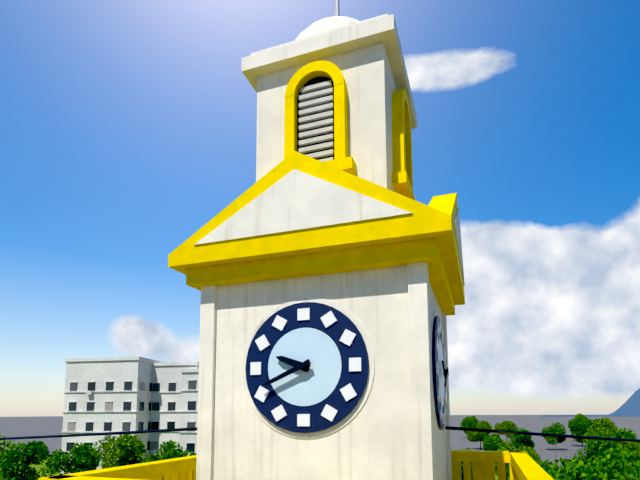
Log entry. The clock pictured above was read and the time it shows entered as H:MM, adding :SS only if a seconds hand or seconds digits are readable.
9:41
